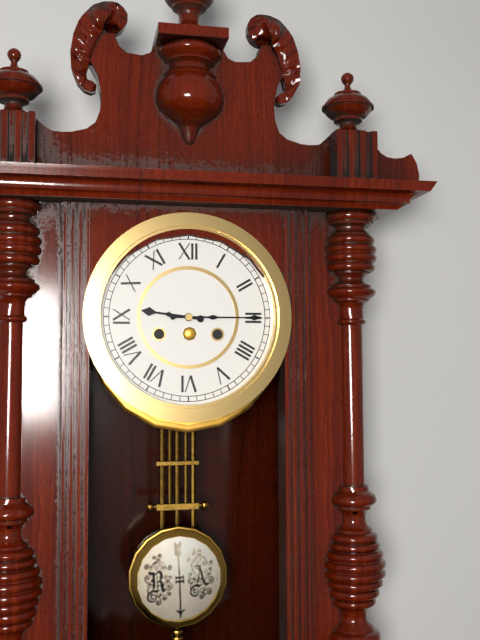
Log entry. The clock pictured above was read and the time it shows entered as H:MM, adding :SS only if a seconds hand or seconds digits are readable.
9:15
